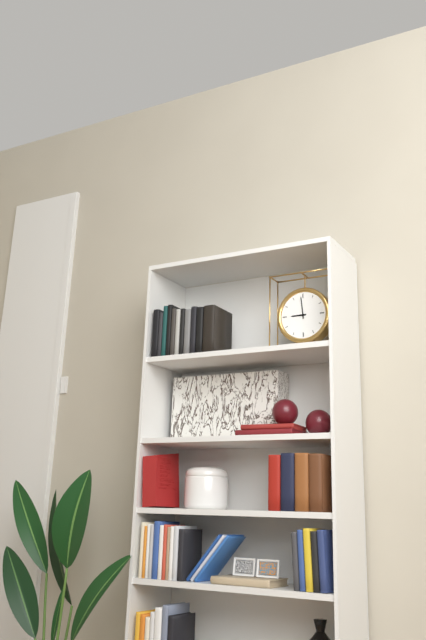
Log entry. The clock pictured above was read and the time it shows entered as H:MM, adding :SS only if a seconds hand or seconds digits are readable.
8:59
